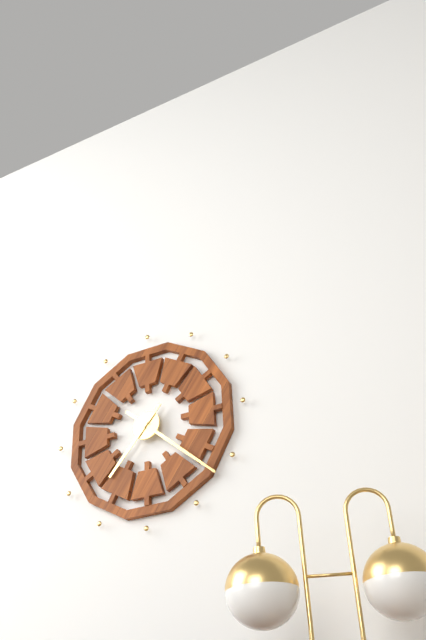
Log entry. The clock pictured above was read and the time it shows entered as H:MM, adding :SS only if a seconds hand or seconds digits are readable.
7:22
